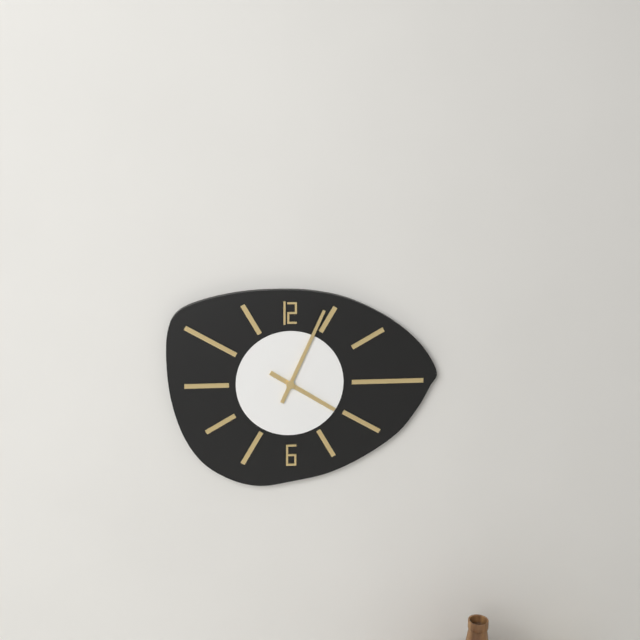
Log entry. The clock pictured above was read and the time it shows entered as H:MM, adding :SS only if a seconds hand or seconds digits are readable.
4:04
